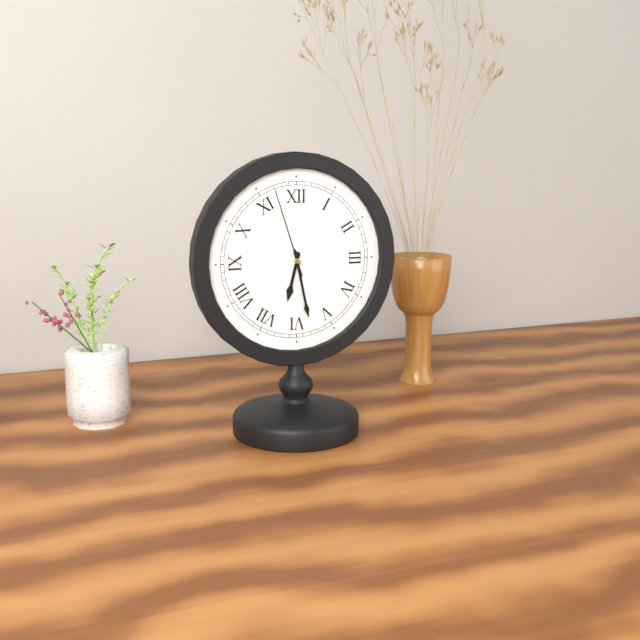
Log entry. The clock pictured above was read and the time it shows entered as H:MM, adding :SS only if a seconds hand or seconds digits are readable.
6:28:57
